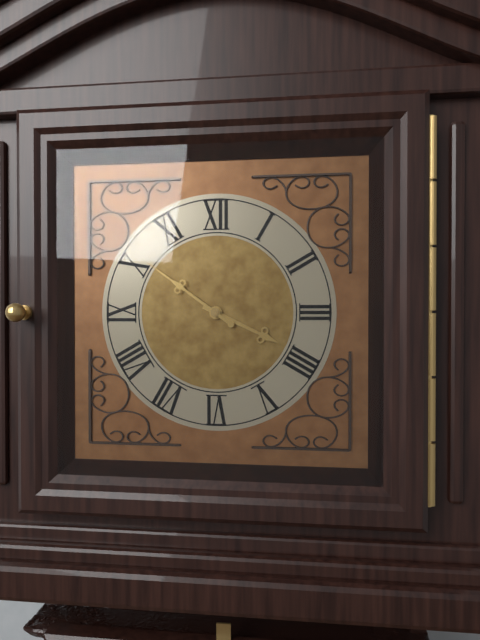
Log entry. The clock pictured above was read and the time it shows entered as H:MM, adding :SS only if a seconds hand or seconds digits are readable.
3:51
